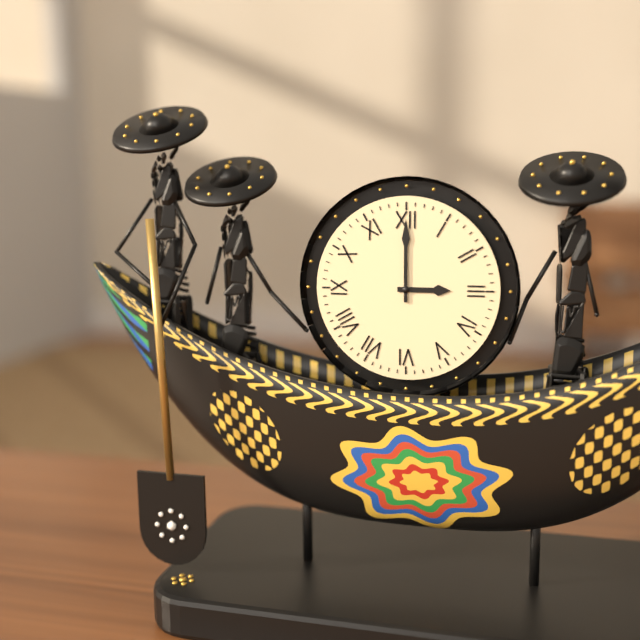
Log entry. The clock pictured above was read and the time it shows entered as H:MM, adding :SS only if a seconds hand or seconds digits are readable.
3:00
